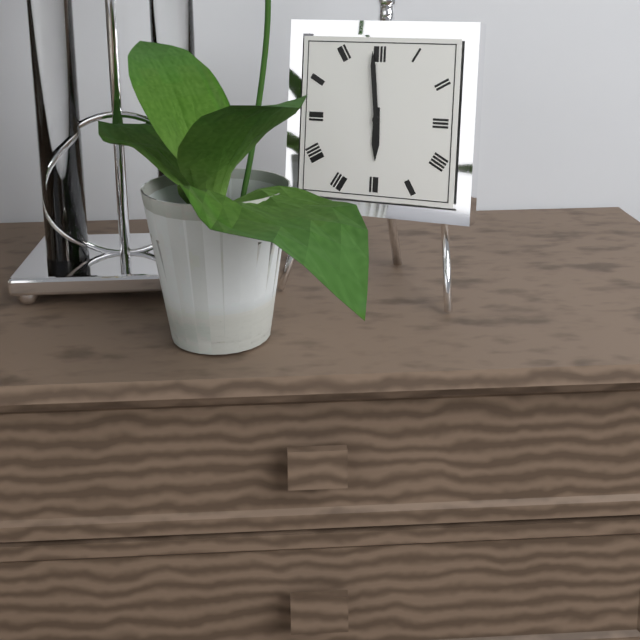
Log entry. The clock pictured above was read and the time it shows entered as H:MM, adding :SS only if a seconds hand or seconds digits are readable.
5:59
